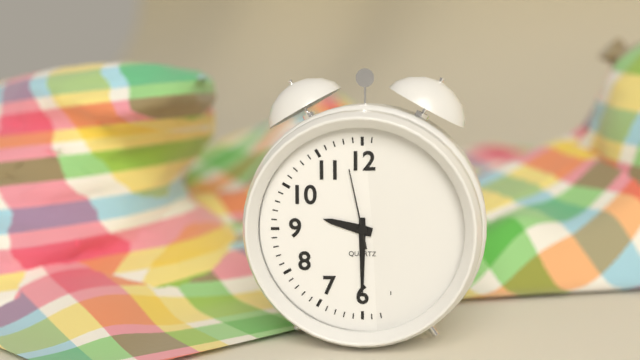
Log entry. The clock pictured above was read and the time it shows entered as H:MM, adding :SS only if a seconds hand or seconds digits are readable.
9:30:58
